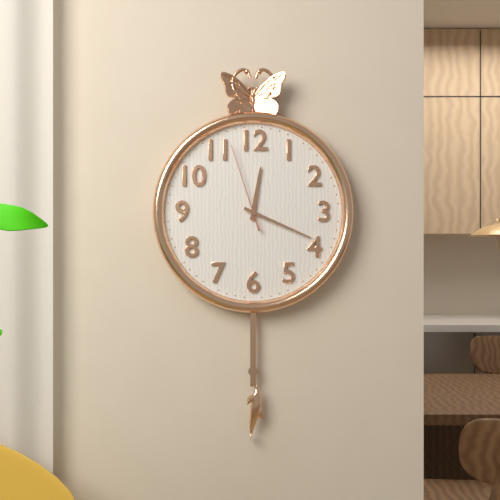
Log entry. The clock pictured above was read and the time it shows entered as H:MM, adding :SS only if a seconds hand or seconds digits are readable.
12:19:57
